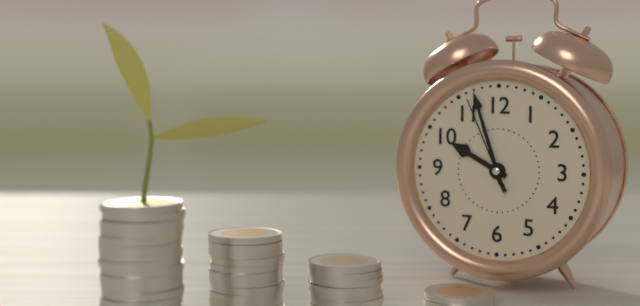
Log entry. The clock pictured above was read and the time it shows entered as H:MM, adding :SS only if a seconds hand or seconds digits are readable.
9:57:56
